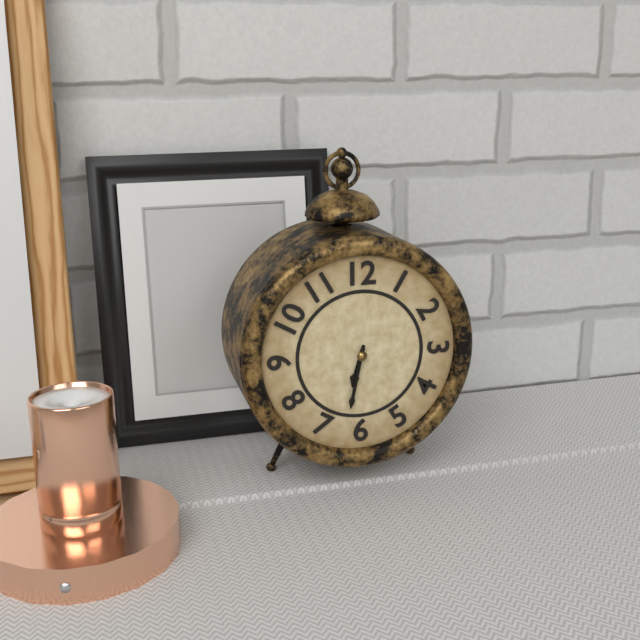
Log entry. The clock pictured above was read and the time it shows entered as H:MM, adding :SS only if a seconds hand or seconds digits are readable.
6:32
